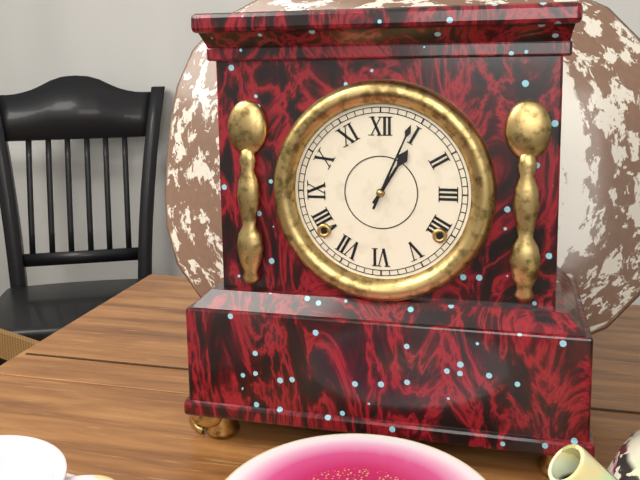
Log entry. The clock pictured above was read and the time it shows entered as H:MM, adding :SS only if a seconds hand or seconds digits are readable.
1:04
